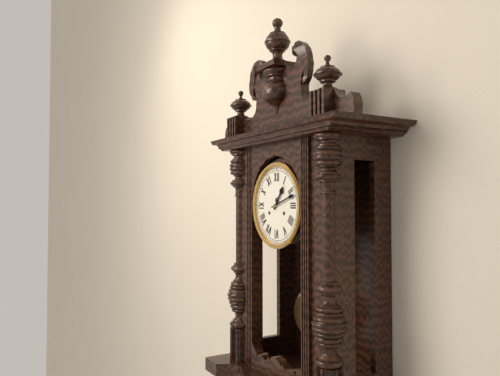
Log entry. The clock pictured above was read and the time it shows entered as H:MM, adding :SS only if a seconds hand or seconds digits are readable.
1:12
